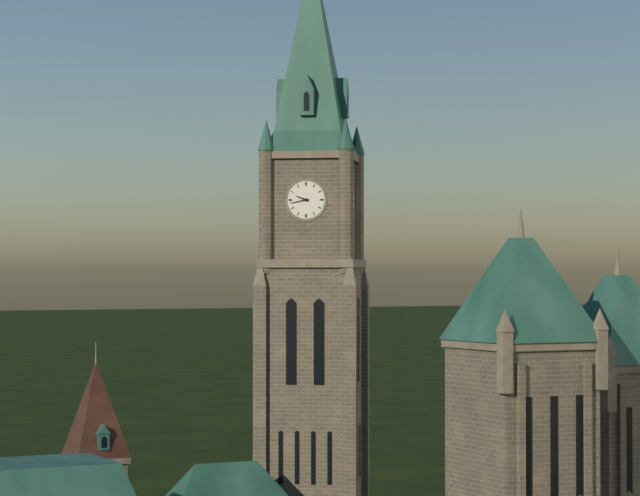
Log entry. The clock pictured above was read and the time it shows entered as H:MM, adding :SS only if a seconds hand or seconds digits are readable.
9:43
